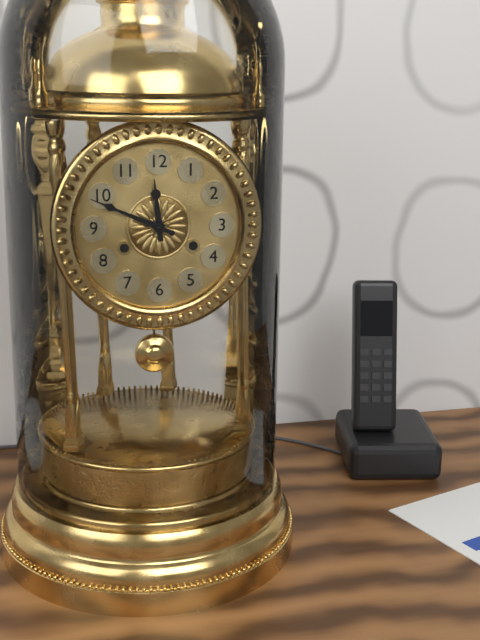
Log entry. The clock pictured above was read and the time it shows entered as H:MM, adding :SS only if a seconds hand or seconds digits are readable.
11:49
